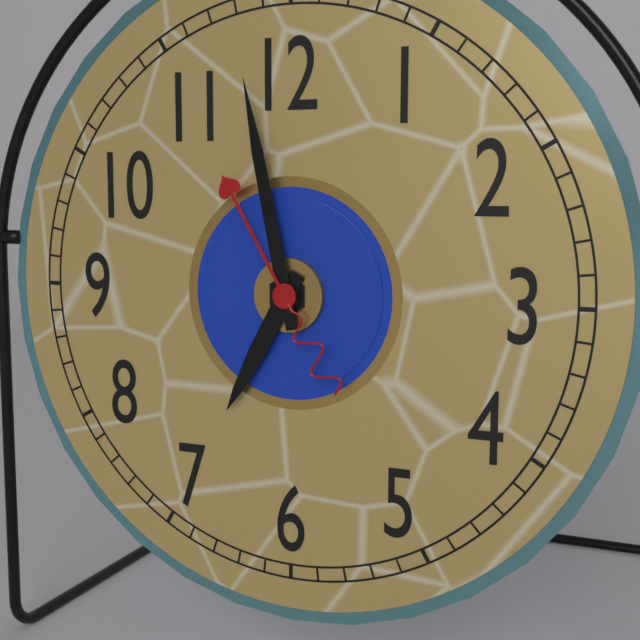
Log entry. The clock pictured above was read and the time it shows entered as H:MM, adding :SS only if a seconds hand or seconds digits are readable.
6:58:55
